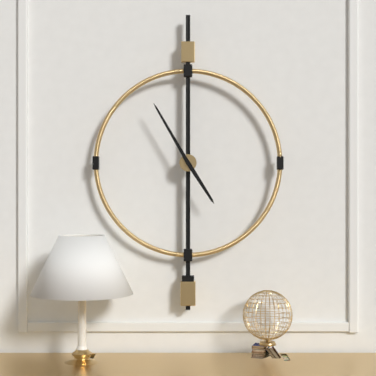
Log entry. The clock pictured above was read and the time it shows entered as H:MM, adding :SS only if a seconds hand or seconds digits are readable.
4:55
